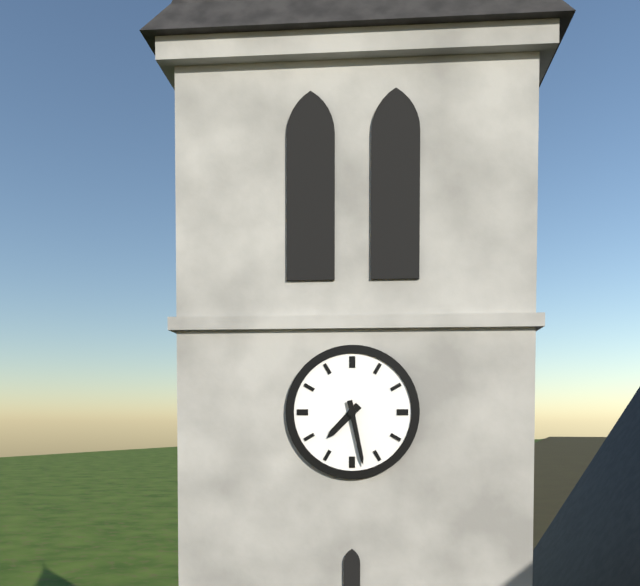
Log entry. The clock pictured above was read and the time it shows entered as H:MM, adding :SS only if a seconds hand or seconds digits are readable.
7:28
